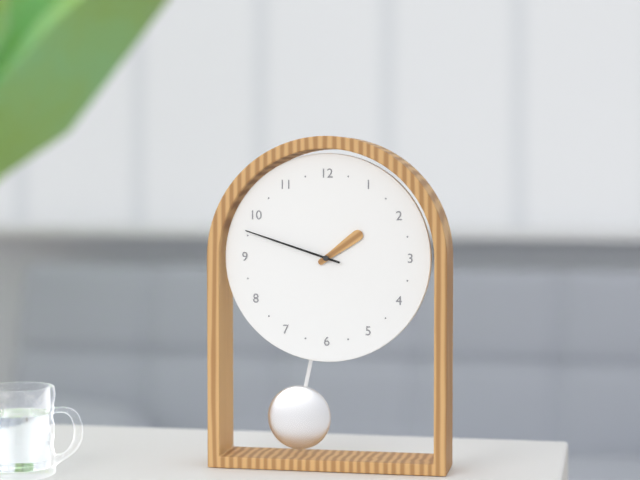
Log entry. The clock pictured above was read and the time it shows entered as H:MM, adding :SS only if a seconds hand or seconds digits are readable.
1:48
